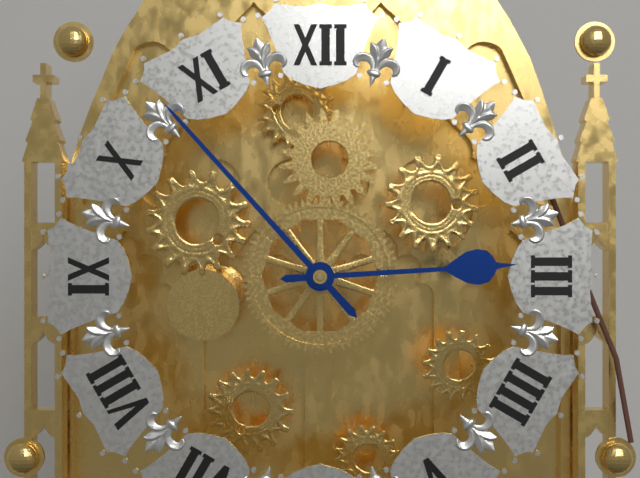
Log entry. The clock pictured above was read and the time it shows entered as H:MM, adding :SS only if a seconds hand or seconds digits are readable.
2:53
